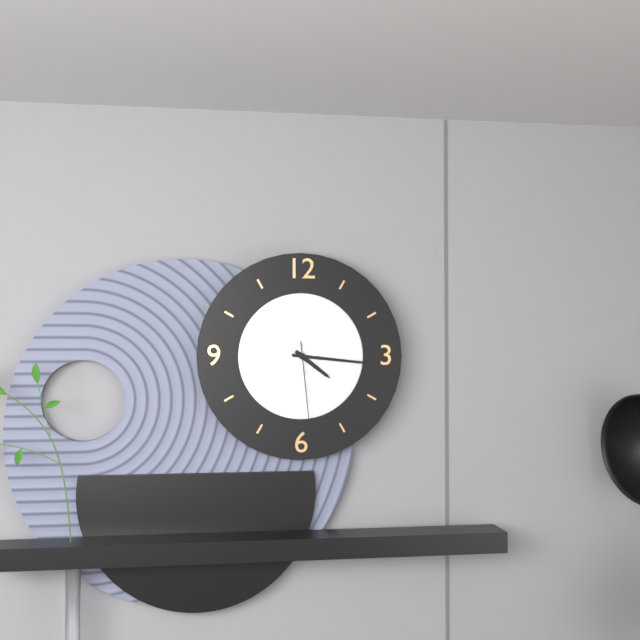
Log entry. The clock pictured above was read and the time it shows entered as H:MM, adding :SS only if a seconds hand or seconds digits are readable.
4:16:29
